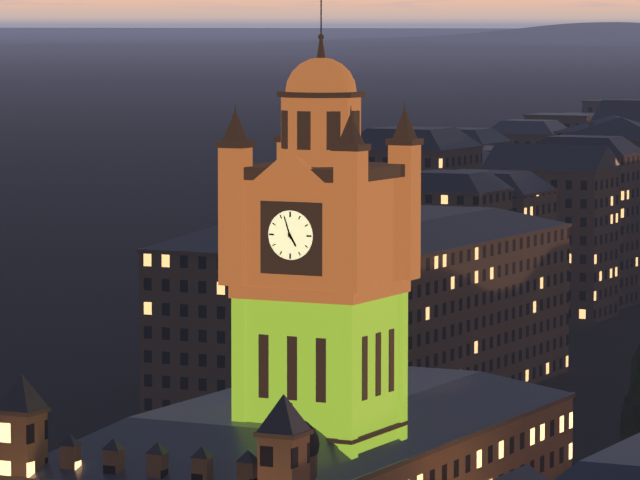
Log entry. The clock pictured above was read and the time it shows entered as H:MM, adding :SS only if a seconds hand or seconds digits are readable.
4:57
